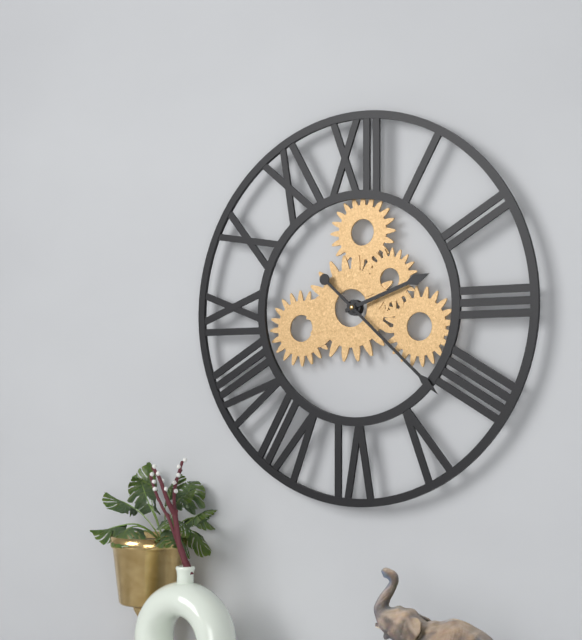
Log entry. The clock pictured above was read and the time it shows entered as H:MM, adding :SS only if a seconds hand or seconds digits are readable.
2:22
